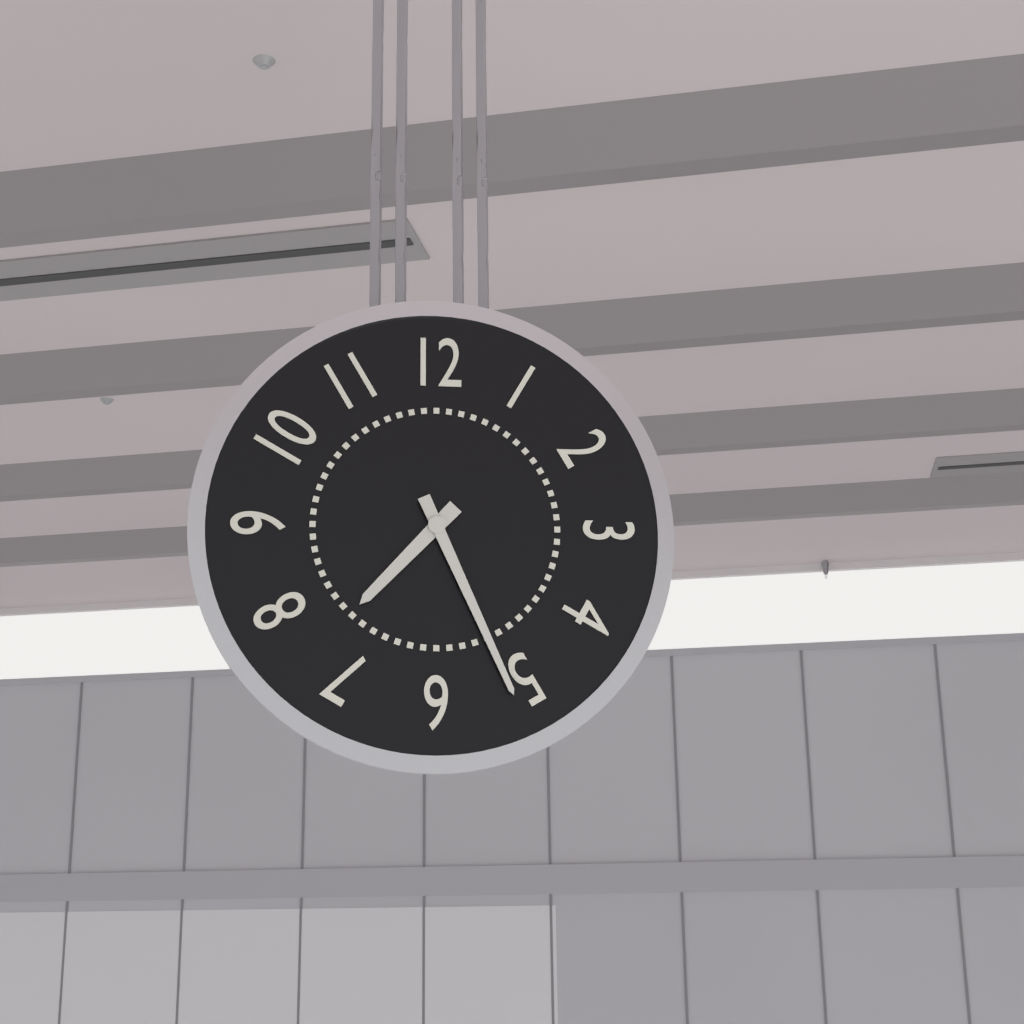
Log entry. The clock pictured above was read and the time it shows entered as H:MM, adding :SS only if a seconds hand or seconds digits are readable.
7:26
